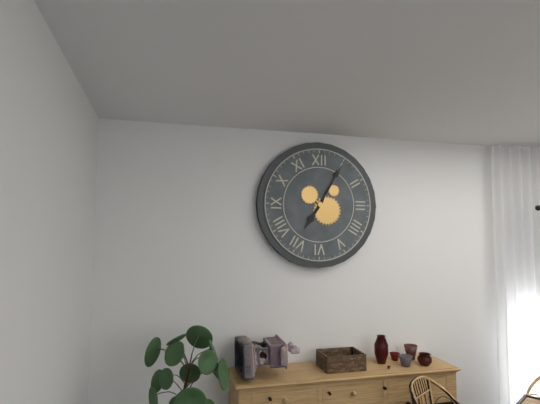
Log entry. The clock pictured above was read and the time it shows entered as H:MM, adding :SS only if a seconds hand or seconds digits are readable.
7:05
